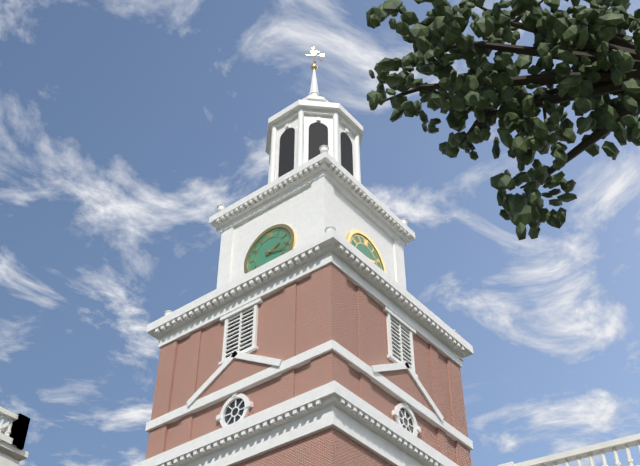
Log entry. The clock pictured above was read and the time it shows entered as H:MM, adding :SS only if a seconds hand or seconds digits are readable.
2:17
